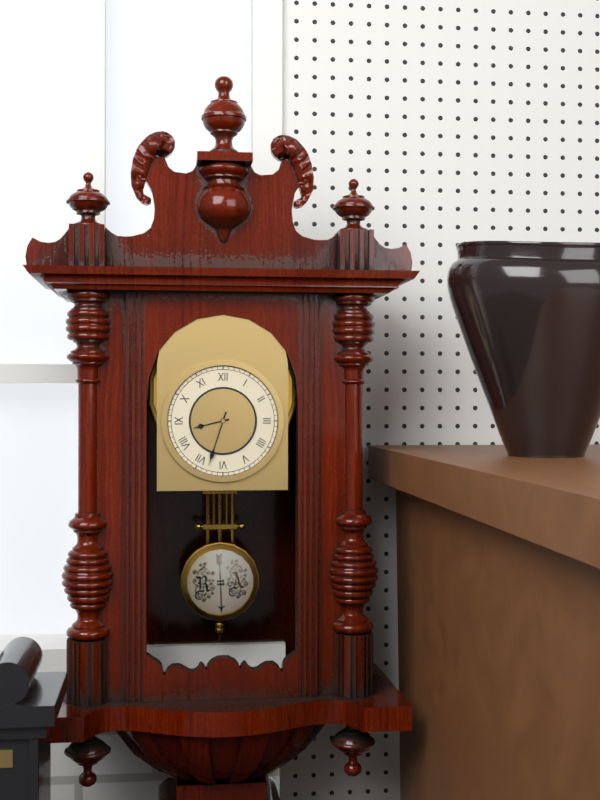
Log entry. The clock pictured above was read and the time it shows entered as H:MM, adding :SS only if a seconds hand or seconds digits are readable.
8:33
